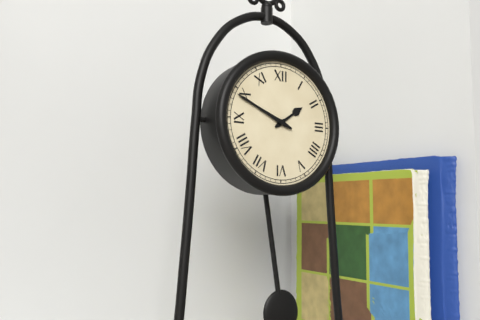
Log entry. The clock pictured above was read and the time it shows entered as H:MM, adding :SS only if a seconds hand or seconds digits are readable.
1:49
